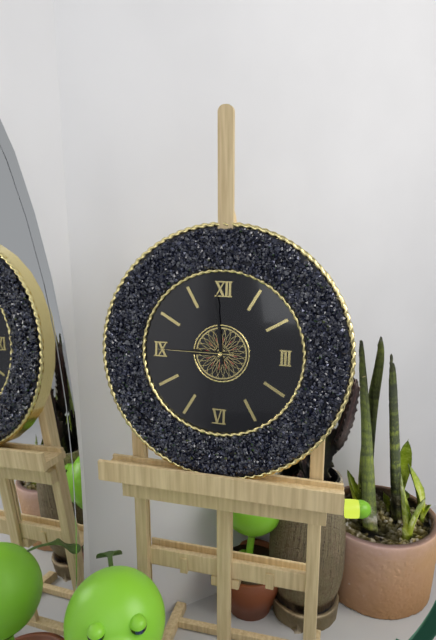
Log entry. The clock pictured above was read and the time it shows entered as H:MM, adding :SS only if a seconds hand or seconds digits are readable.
8:59:45
